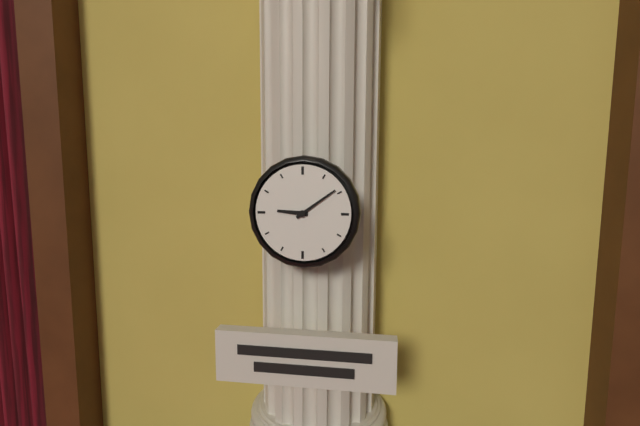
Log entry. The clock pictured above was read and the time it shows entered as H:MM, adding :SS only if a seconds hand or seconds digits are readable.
9:09
